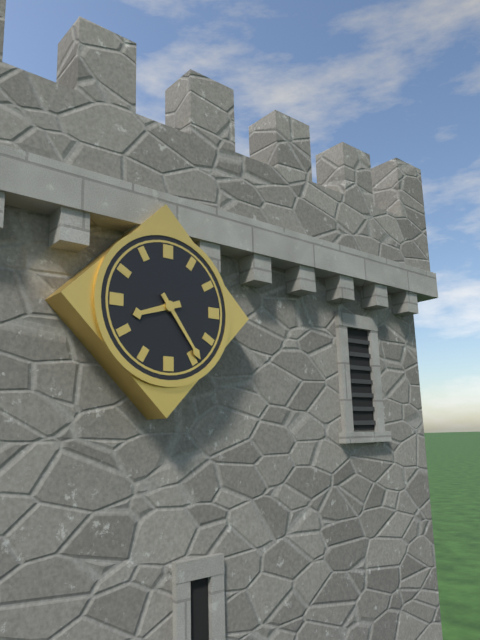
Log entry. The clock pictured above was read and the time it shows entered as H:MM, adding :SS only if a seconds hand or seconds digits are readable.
8:24
